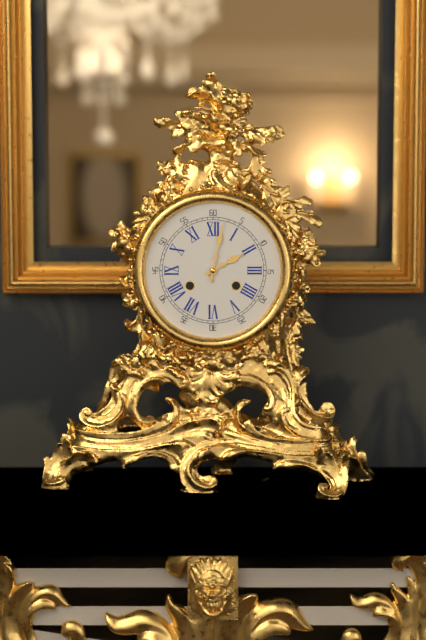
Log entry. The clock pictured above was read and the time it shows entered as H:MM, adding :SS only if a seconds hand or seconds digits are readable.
2:02
